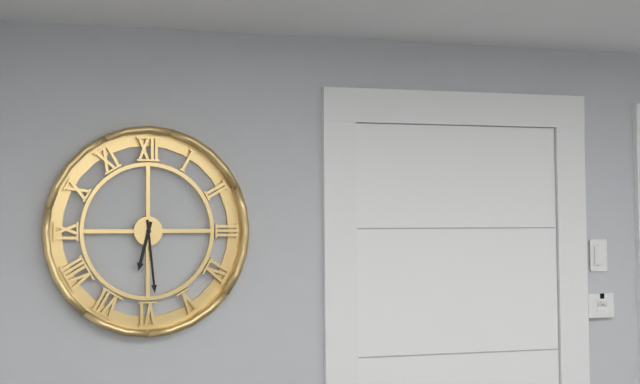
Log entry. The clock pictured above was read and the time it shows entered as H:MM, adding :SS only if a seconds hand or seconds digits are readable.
6:29
